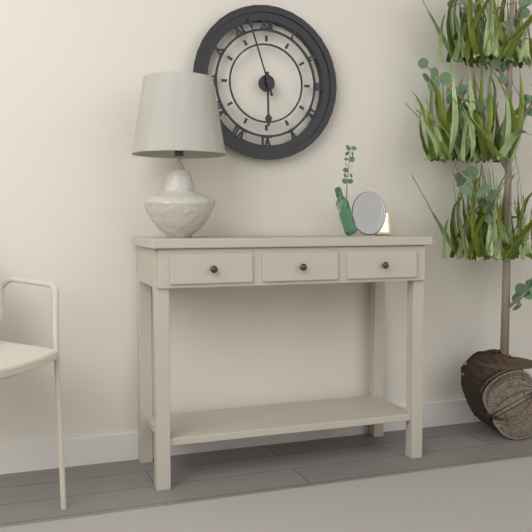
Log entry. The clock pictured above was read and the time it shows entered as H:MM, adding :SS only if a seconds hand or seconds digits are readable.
5:57
